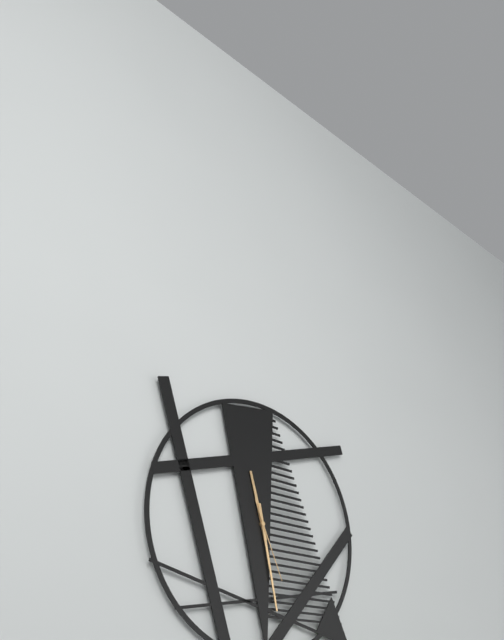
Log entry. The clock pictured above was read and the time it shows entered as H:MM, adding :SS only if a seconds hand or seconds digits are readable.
11:28:26
